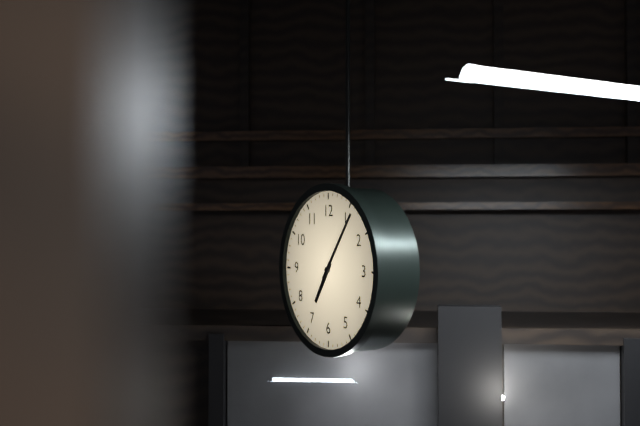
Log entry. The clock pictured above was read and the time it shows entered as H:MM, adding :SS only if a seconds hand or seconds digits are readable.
7:06
